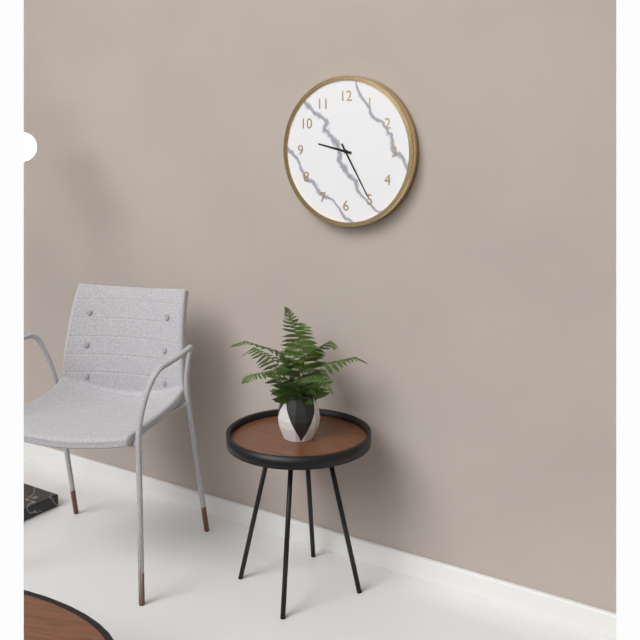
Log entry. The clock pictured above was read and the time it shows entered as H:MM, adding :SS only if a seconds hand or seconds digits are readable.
9:25
